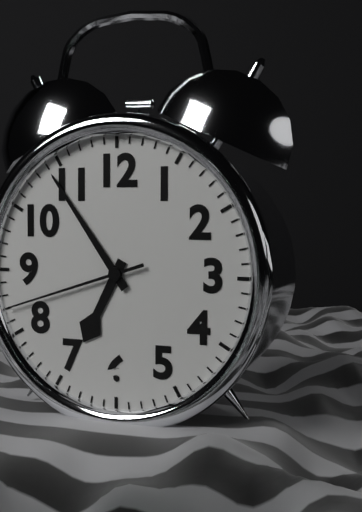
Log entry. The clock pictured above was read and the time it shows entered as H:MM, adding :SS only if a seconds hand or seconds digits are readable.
6:54:42
